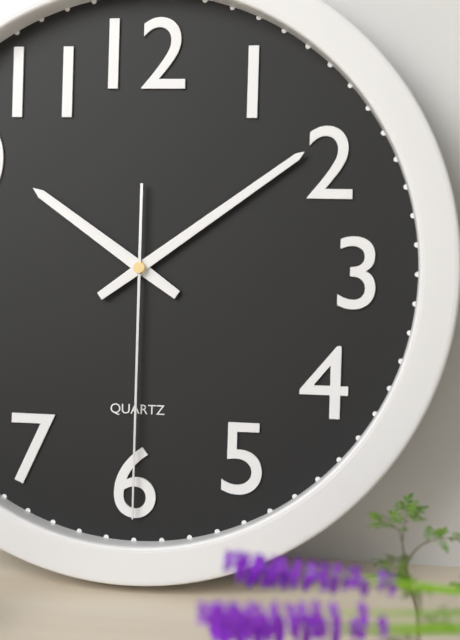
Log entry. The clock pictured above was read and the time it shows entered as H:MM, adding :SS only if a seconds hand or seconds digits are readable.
10:09:30
